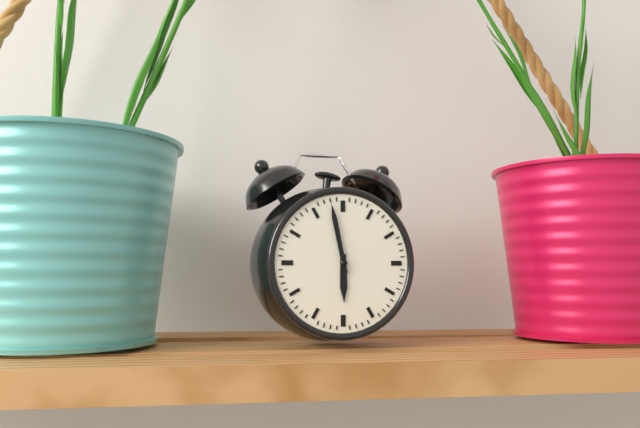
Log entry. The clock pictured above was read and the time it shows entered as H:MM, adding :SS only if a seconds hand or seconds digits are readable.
5:58
